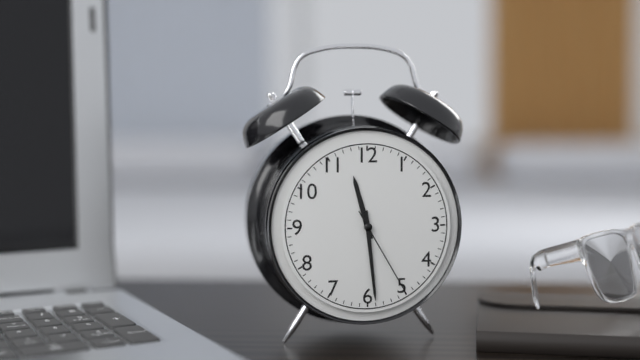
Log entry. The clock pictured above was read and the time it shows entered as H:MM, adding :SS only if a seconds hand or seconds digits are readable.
11:29:25
